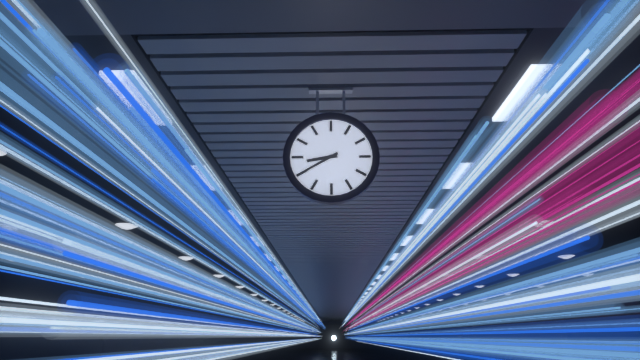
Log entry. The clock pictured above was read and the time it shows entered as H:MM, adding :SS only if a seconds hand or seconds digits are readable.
8:40
